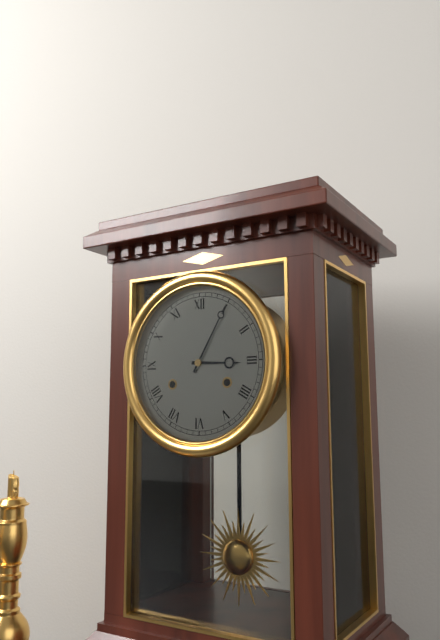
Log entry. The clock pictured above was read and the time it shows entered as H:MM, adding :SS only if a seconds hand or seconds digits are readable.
3:05
